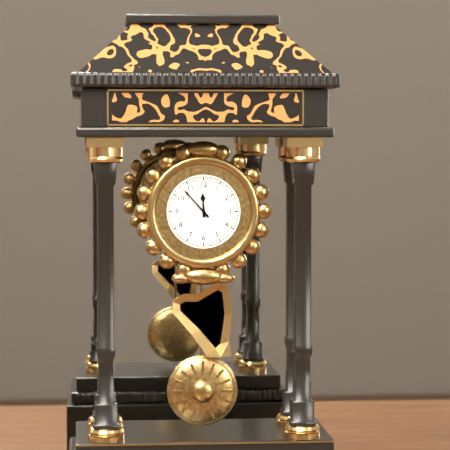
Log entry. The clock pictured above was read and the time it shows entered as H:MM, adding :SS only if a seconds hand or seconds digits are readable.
11:53
